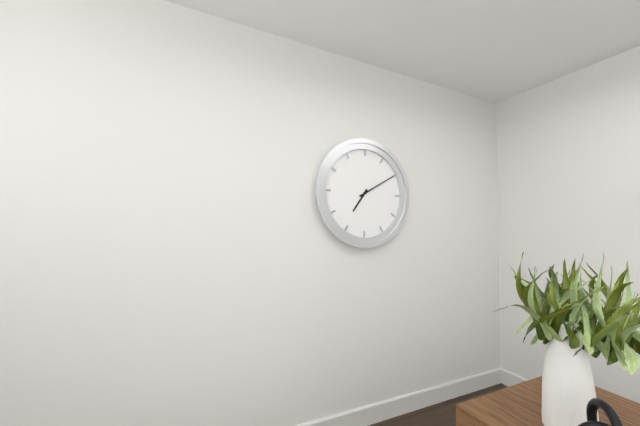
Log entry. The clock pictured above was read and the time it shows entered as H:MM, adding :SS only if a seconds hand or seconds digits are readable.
7:10
